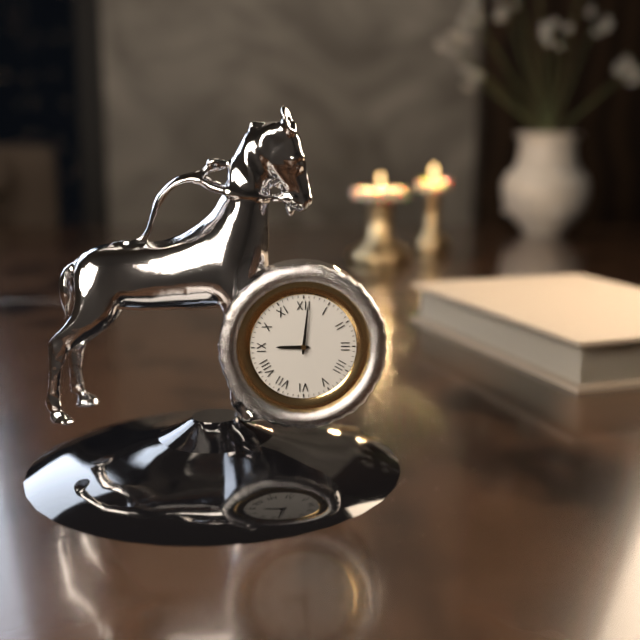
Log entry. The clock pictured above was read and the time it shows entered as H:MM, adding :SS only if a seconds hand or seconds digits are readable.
9:01
